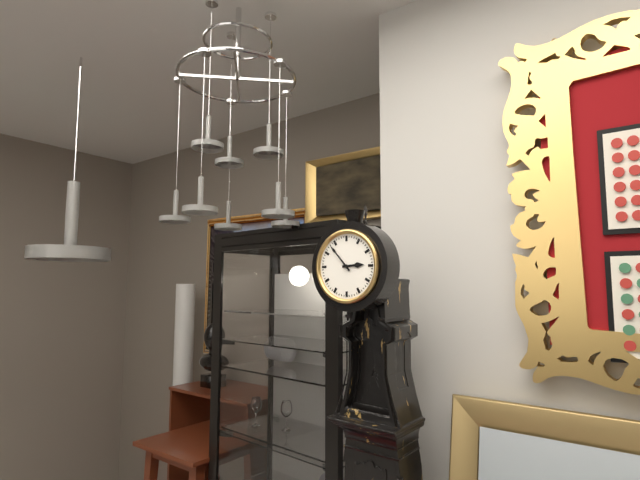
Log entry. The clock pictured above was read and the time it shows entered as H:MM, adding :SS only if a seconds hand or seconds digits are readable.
2:53
